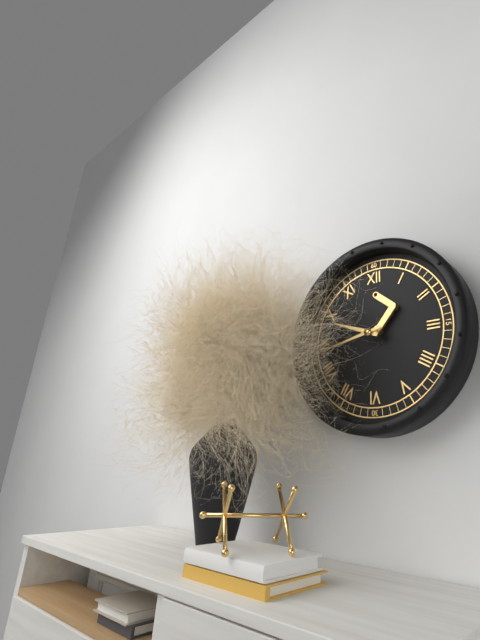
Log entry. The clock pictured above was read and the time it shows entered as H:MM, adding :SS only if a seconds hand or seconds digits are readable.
9:43
